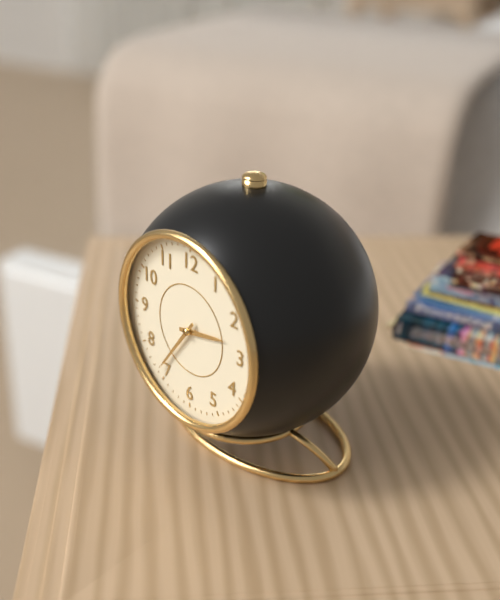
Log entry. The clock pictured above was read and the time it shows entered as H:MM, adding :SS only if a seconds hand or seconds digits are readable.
2:36
